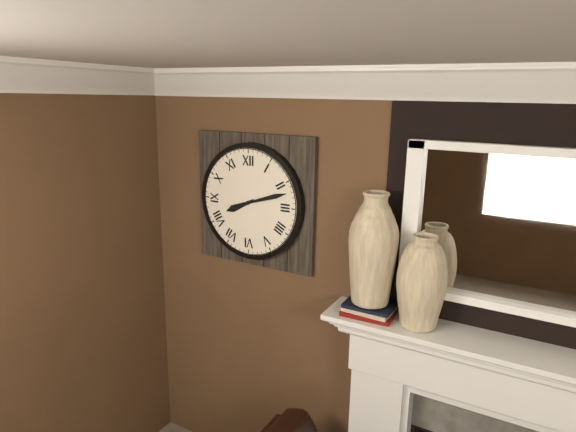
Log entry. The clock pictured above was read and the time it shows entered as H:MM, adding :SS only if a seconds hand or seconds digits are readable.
8:12
